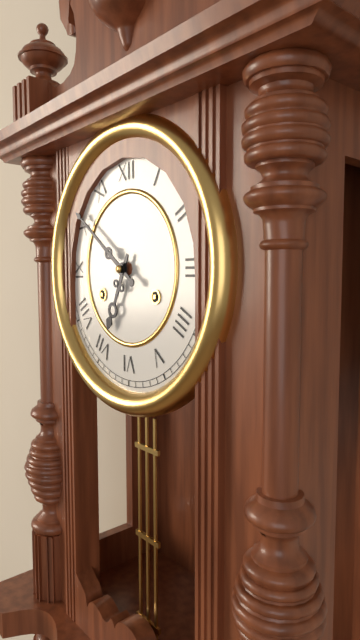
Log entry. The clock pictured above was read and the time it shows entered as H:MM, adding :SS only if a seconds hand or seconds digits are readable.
6:51
